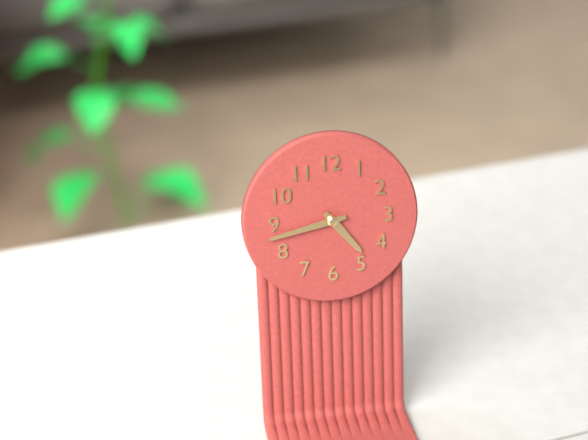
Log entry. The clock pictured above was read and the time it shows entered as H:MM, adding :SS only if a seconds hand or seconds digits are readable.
4:43
